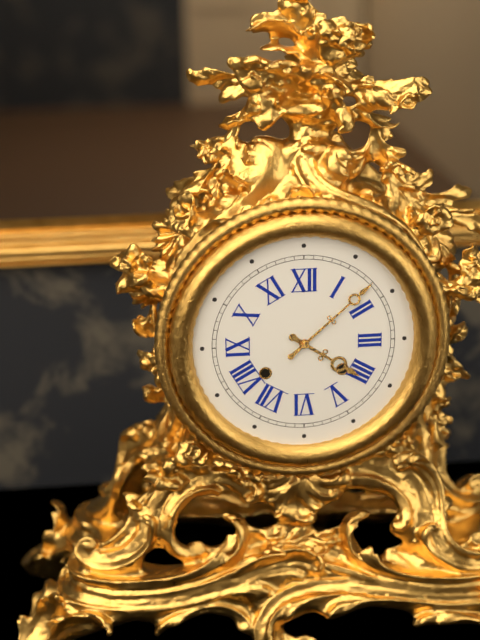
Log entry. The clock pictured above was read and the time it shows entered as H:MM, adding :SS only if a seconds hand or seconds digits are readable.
4:08
